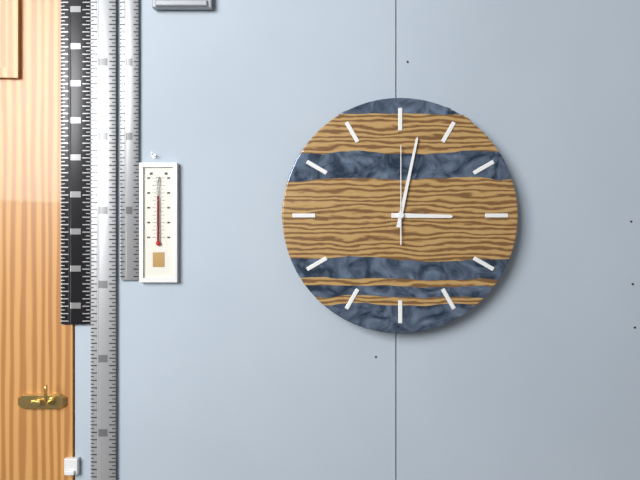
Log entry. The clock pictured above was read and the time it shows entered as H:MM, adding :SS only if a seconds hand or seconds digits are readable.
3:02:00
